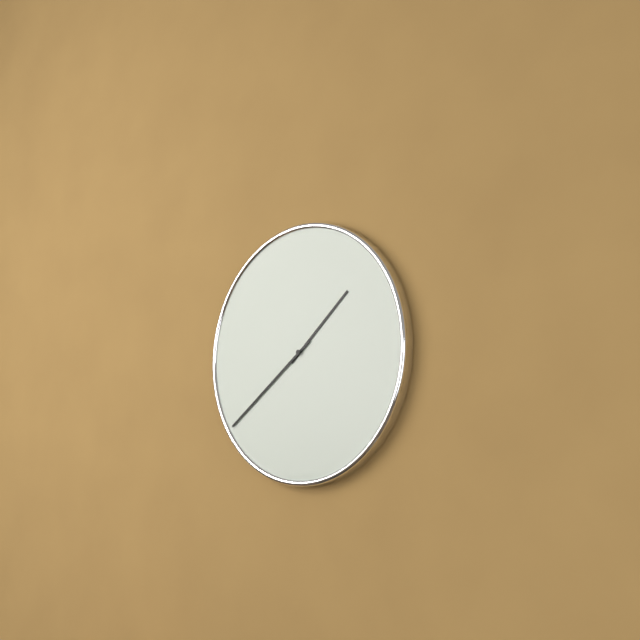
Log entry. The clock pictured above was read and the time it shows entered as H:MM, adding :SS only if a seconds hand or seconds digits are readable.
1:39
